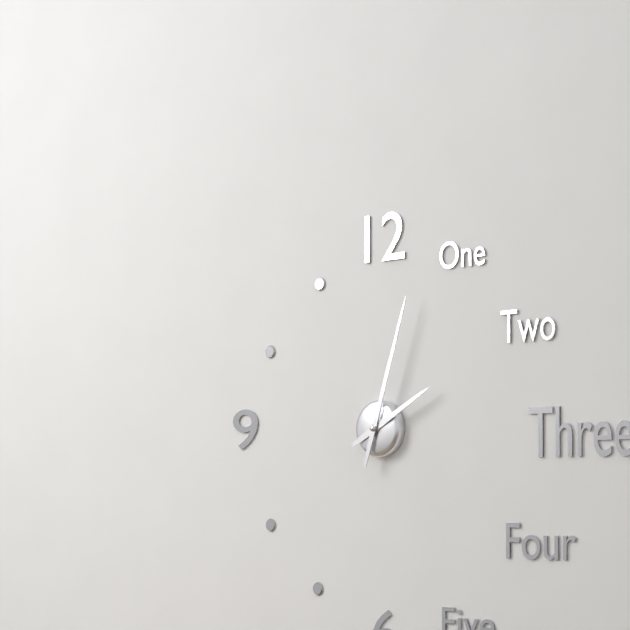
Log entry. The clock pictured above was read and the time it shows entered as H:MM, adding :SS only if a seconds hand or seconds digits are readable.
2:03
